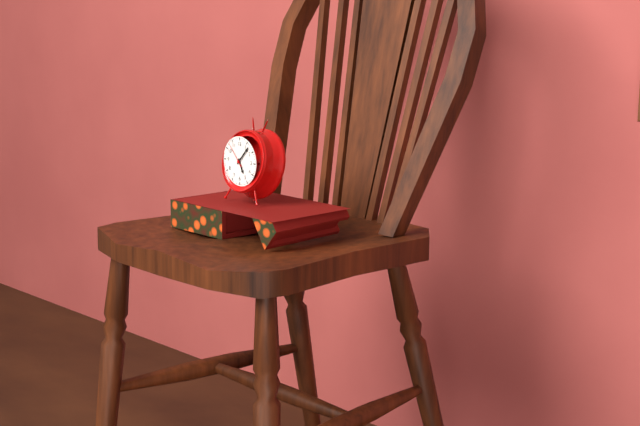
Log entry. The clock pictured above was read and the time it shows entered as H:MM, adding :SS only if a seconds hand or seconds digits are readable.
5:07
